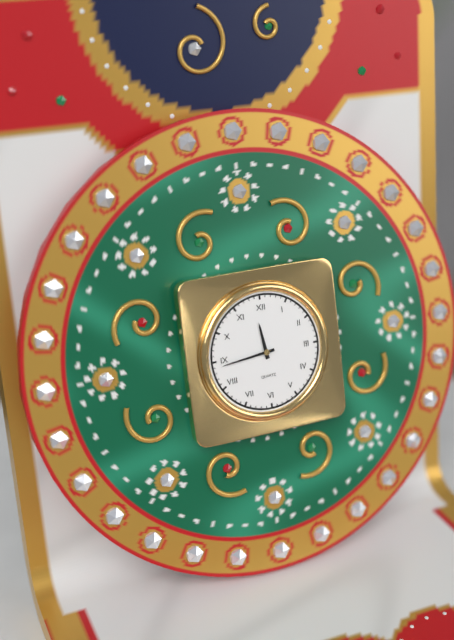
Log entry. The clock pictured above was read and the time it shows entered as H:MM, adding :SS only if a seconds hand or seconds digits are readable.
11:44
